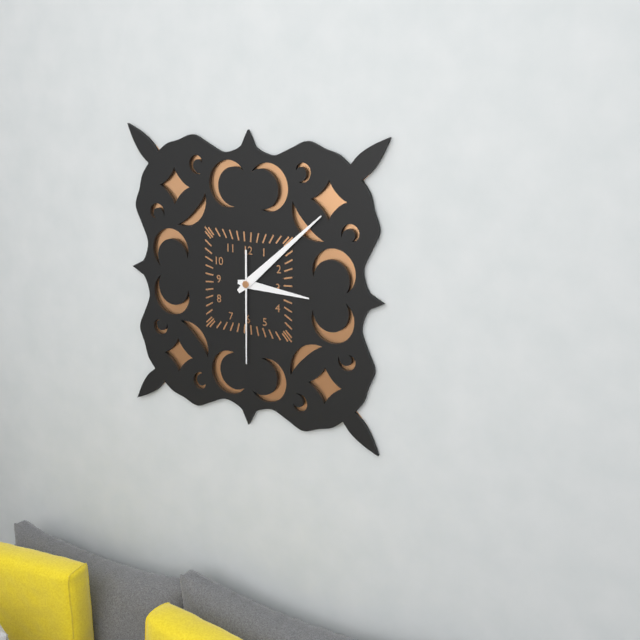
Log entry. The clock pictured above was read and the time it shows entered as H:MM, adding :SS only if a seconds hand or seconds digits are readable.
3:08:30
